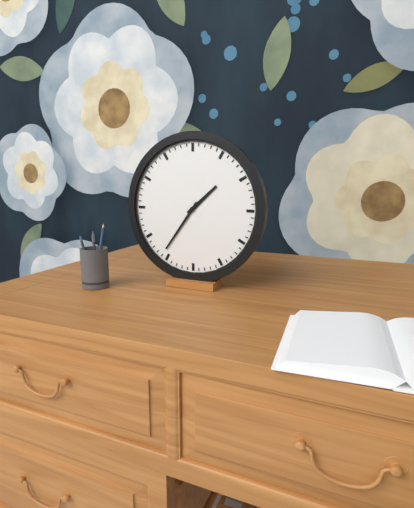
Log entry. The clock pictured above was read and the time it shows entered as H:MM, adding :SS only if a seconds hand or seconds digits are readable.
1:36
